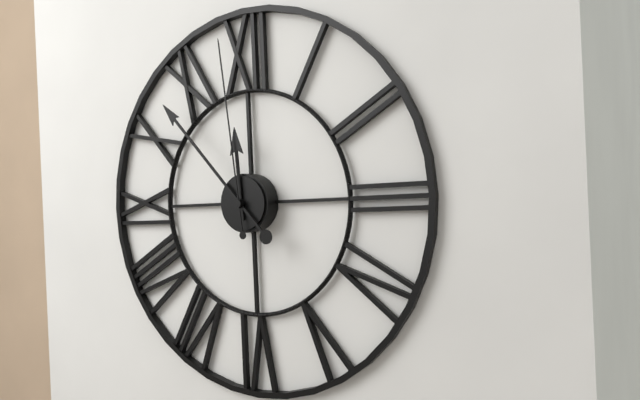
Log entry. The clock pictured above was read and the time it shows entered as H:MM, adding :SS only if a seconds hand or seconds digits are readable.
11:53:59
